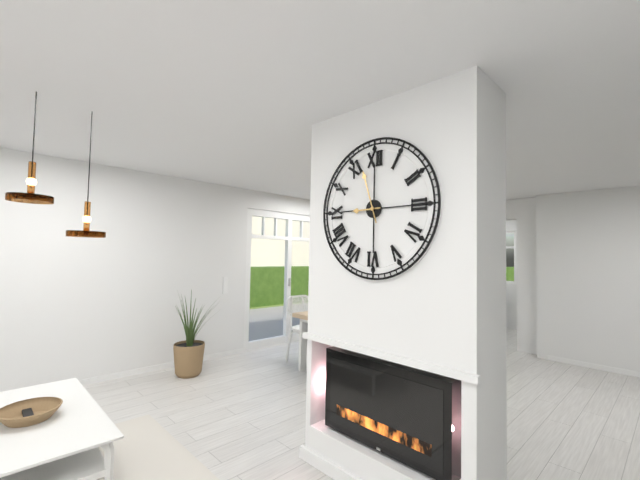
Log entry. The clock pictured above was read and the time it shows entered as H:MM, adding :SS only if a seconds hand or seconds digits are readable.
8:57
